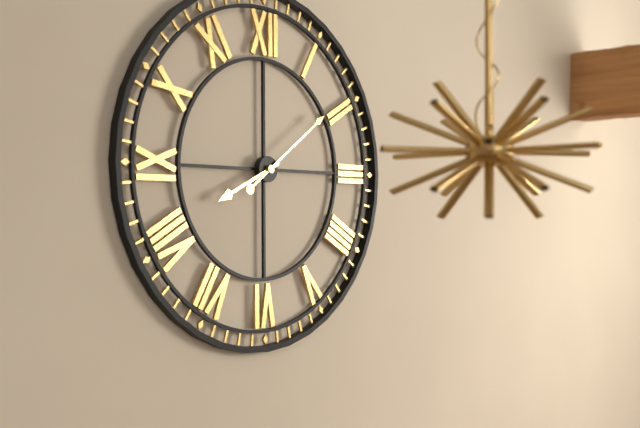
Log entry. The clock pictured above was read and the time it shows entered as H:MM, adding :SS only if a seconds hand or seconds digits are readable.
8:09
